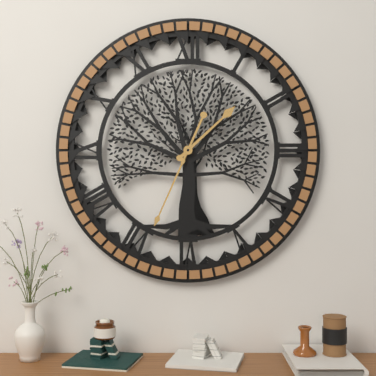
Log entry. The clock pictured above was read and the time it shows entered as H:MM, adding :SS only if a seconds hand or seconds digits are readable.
1:34
